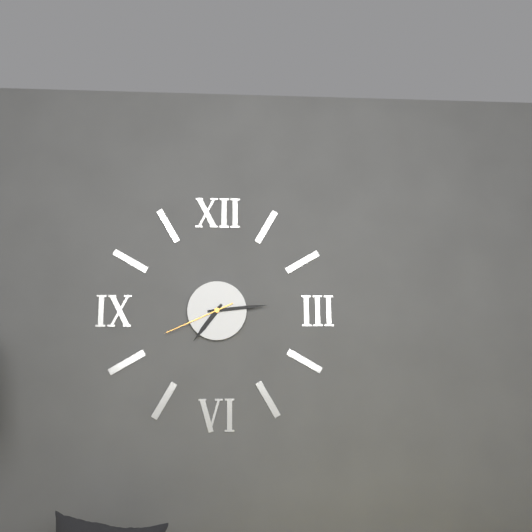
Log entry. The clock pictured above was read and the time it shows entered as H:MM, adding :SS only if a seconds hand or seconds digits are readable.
7:14:41
